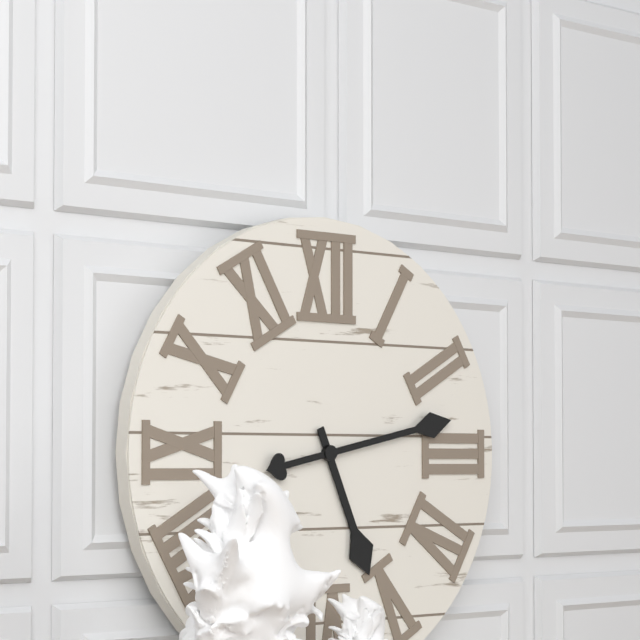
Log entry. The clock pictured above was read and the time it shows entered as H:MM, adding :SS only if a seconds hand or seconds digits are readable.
5:13
